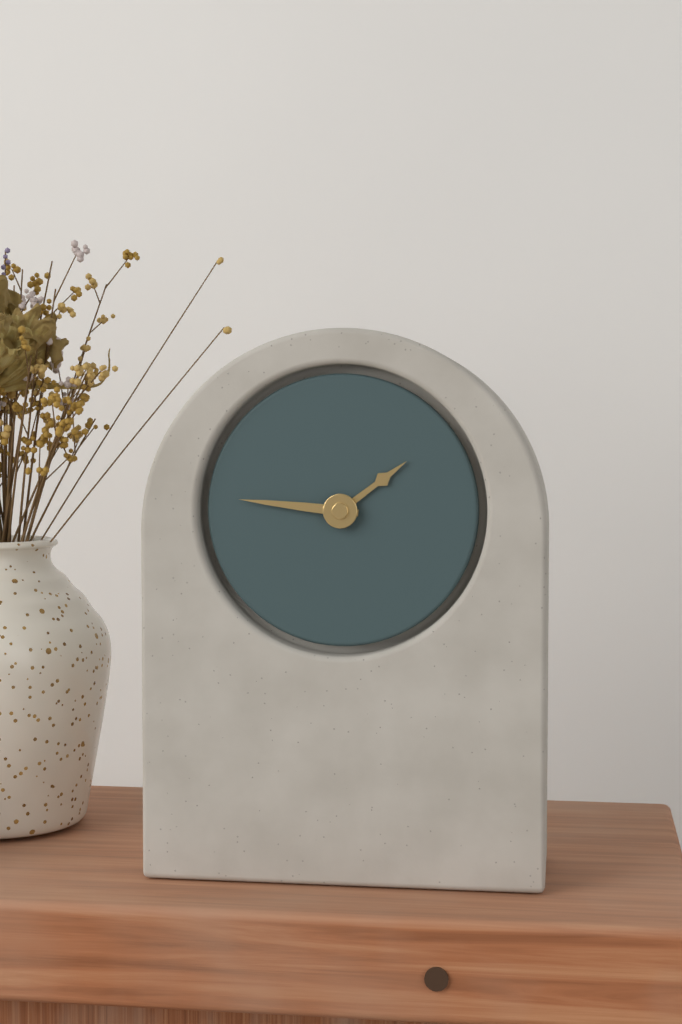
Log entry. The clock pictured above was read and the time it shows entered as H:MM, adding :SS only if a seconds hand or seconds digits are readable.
1:46
